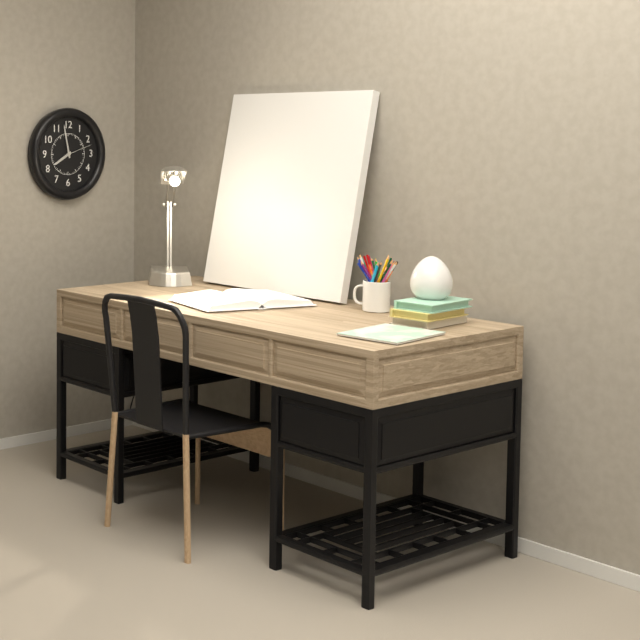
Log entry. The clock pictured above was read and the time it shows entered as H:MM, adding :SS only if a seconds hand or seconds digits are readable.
7:58
